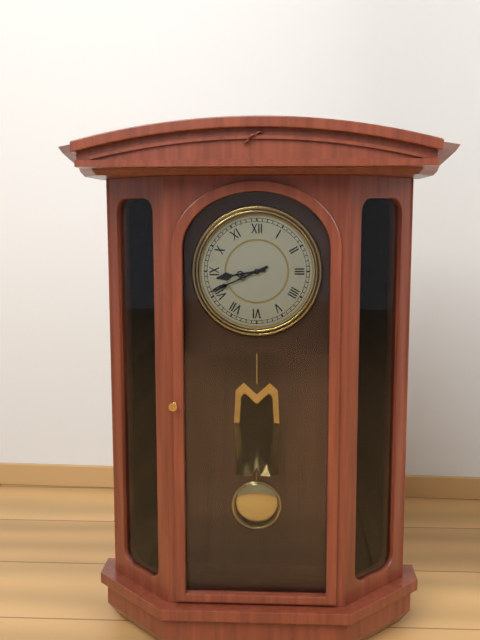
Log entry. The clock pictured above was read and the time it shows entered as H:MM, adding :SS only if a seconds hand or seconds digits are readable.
8:41
